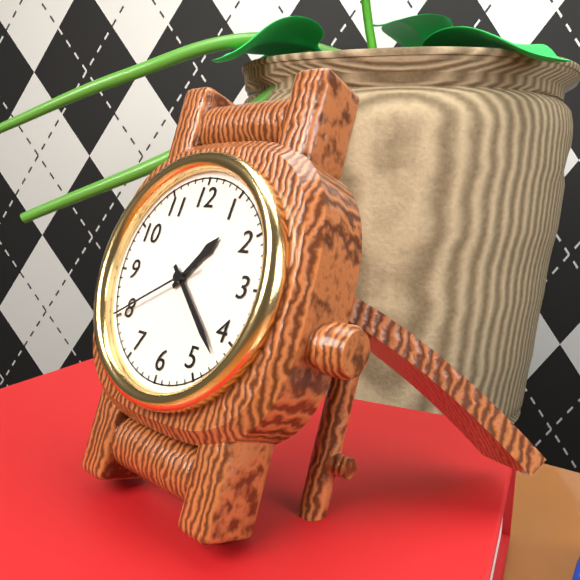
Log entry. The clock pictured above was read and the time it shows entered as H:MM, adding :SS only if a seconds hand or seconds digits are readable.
1:22:40
